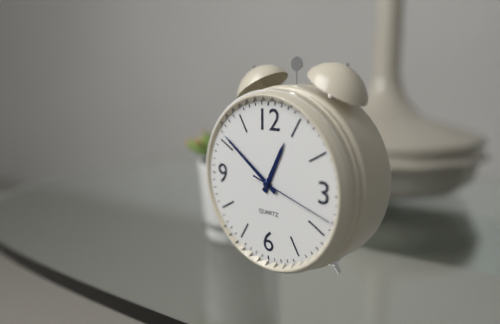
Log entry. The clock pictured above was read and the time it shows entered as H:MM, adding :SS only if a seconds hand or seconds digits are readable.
12:51:18
